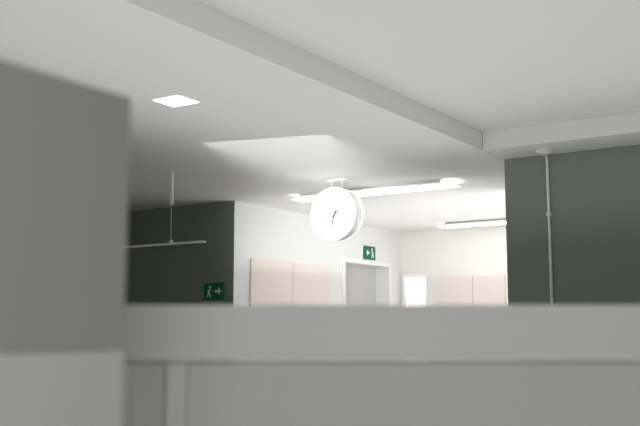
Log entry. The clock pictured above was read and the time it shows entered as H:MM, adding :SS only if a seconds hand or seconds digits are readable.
6:38
